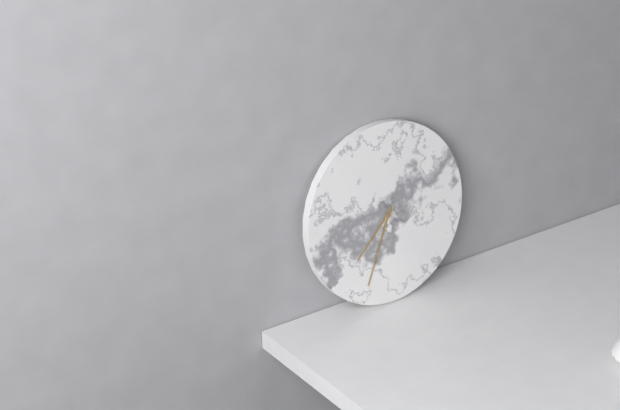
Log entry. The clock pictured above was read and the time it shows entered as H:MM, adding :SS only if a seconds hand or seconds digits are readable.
7:34
